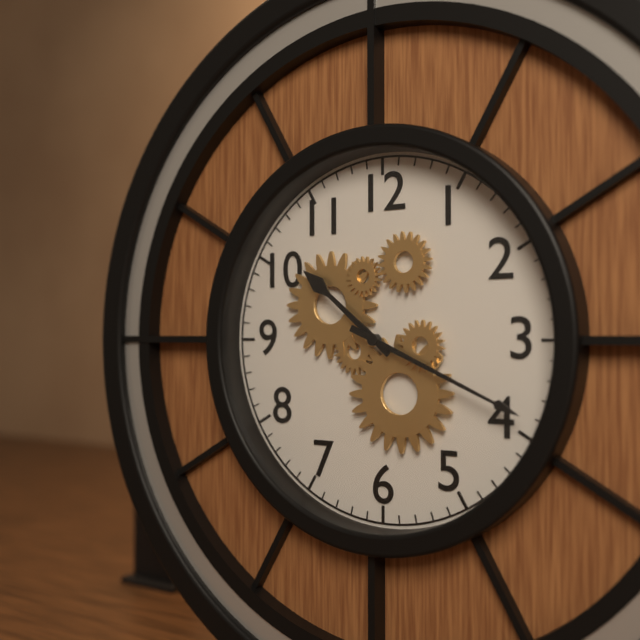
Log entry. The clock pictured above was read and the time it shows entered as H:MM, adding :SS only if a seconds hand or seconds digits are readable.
10:19
